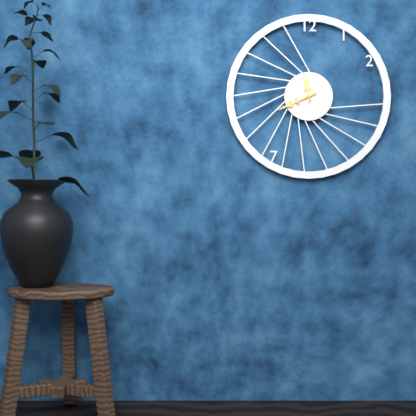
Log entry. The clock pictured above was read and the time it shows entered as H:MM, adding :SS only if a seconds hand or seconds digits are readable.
11:41
